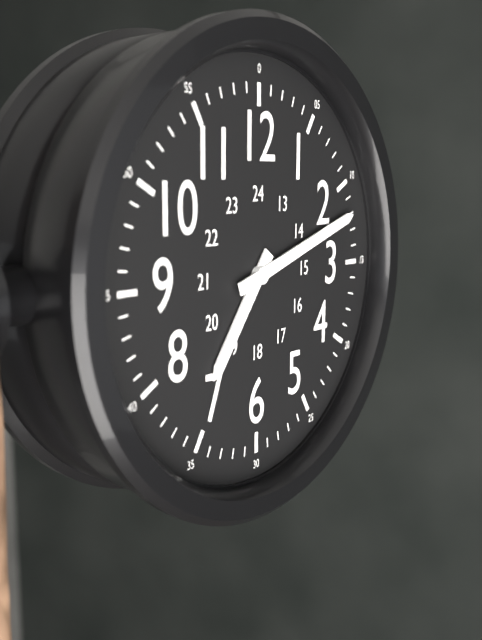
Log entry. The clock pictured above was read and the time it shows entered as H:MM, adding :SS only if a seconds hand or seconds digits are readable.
7:12
